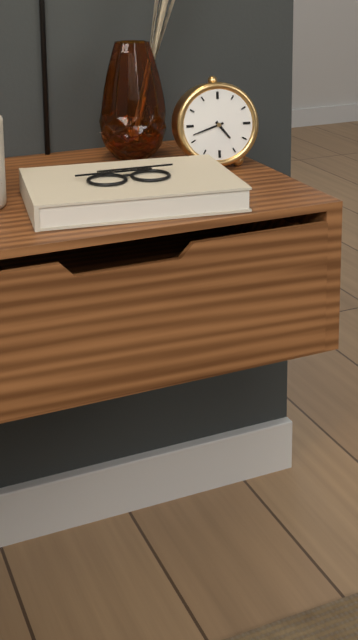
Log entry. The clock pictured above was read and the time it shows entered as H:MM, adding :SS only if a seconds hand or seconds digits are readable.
4:42
